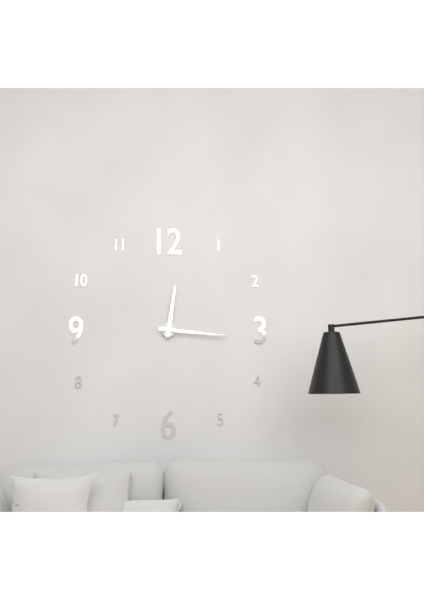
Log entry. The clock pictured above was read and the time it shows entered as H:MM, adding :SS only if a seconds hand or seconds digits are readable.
12:16
